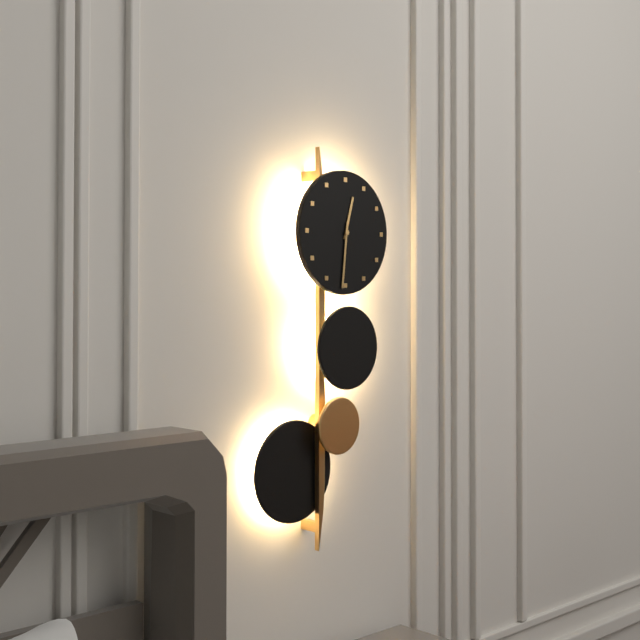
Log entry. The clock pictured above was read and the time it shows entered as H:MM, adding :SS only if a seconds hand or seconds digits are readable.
12:31
